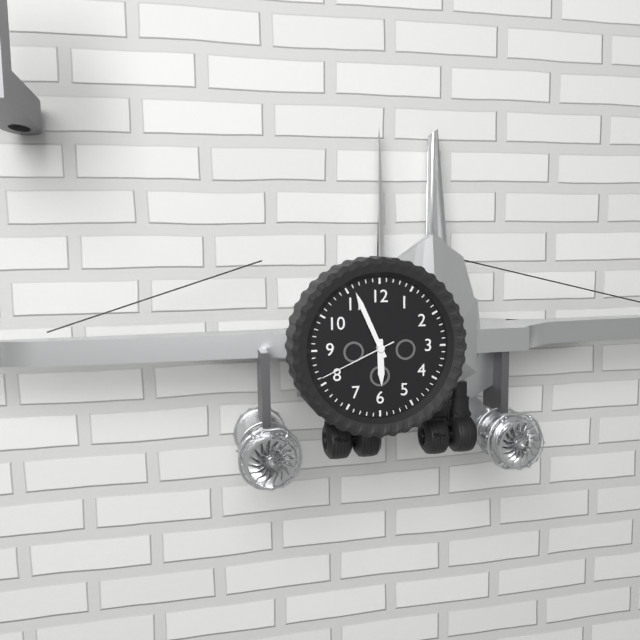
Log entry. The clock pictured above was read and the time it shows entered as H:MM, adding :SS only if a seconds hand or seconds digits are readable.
5:56:41
